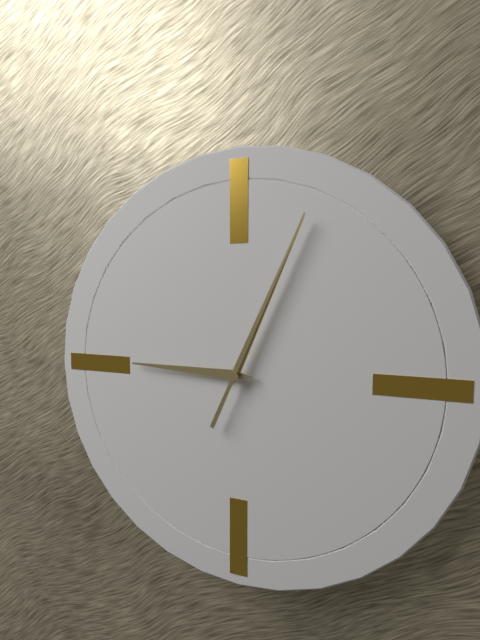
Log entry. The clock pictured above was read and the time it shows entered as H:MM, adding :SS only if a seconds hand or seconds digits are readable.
9:04:04
